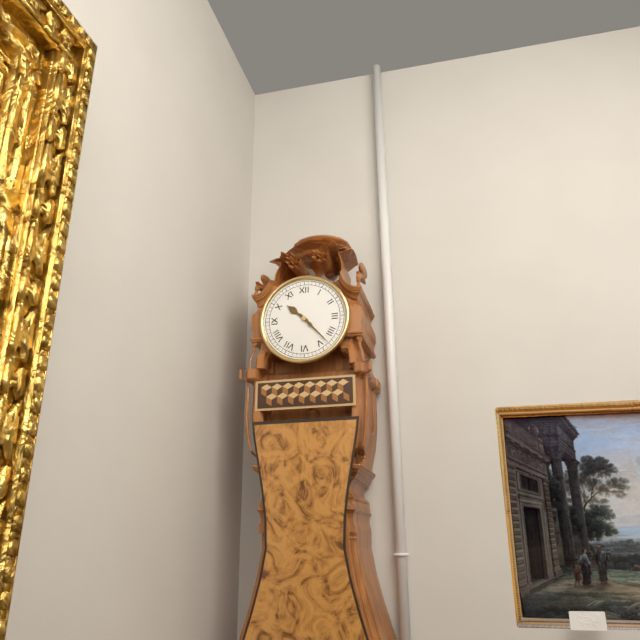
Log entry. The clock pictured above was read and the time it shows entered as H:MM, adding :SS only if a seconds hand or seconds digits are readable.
10:23
